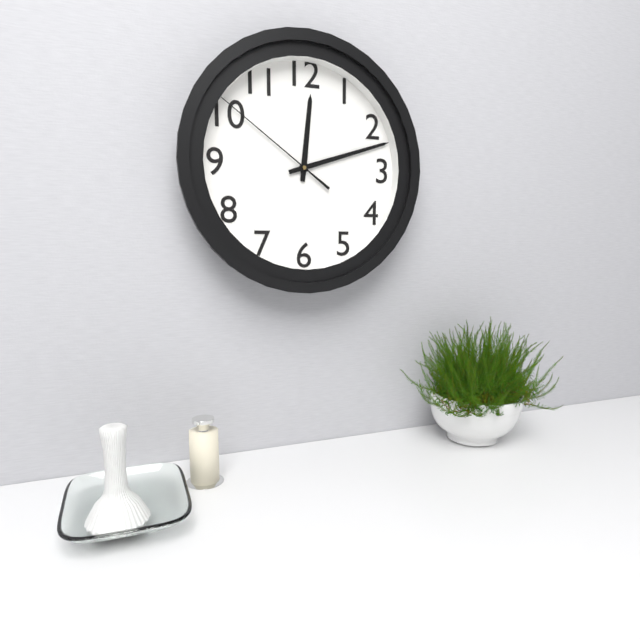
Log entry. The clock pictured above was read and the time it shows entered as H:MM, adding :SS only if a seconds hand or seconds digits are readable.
12:12:51
